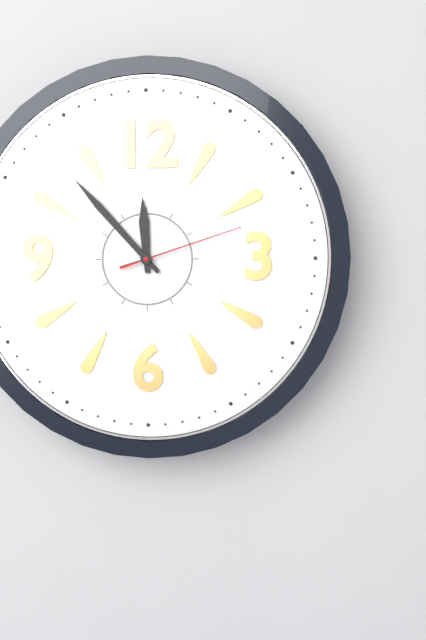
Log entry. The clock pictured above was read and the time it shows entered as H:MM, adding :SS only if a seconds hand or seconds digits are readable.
11:53:12
